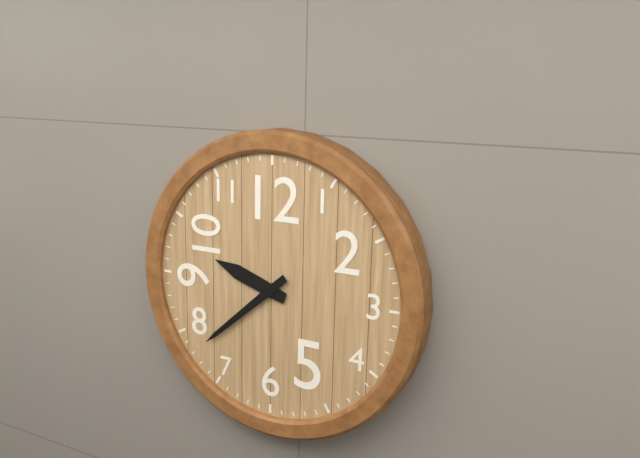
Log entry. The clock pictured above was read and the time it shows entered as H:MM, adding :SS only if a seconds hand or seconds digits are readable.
9:38
